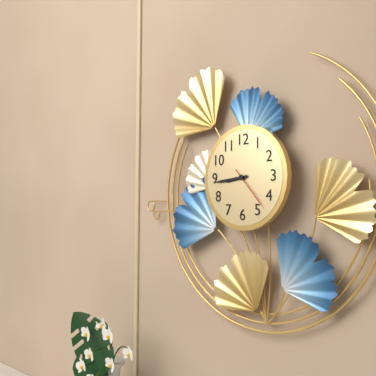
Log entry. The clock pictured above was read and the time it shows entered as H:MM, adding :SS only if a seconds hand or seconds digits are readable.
8:44
